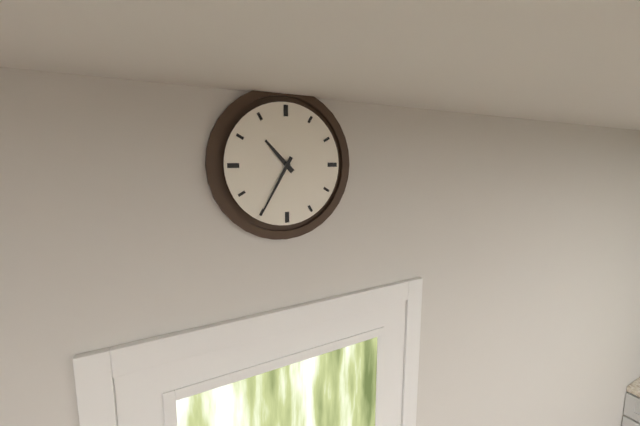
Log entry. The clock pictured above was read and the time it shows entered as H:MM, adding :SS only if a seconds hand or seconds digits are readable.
10:35
